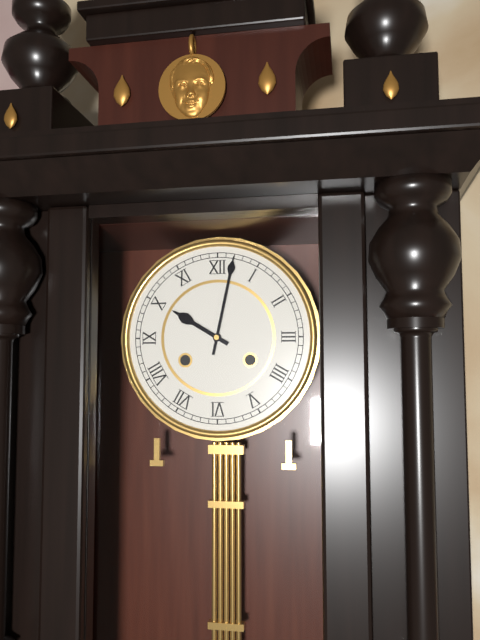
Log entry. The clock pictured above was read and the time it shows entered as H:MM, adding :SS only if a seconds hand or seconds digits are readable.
10:02
